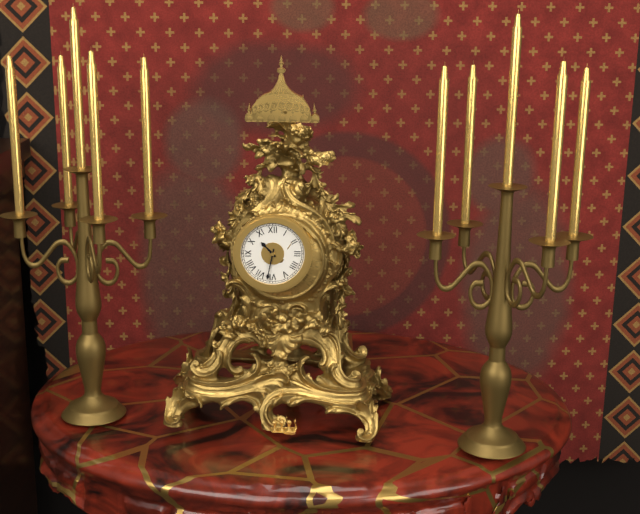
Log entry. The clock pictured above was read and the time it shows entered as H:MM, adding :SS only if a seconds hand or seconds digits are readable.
10:32
